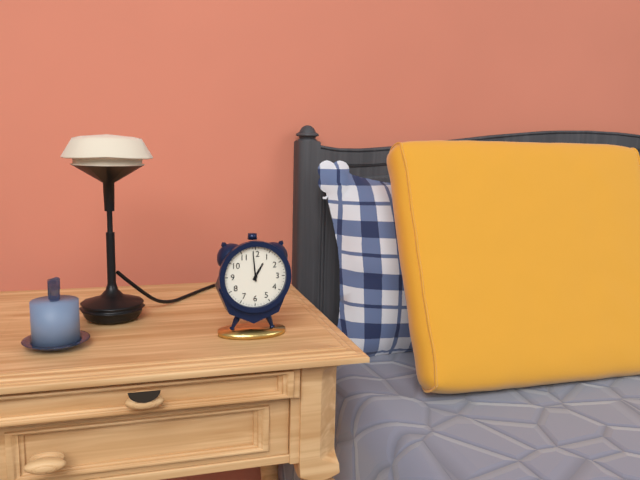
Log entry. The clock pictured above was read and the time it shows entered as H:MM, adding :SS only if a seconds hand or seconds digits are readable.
12:59
